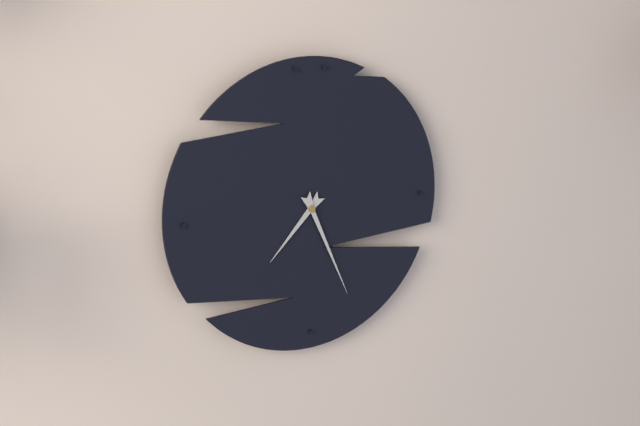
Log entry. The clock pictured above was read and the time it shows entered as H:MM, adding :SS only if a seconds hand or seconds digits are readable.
7:26
